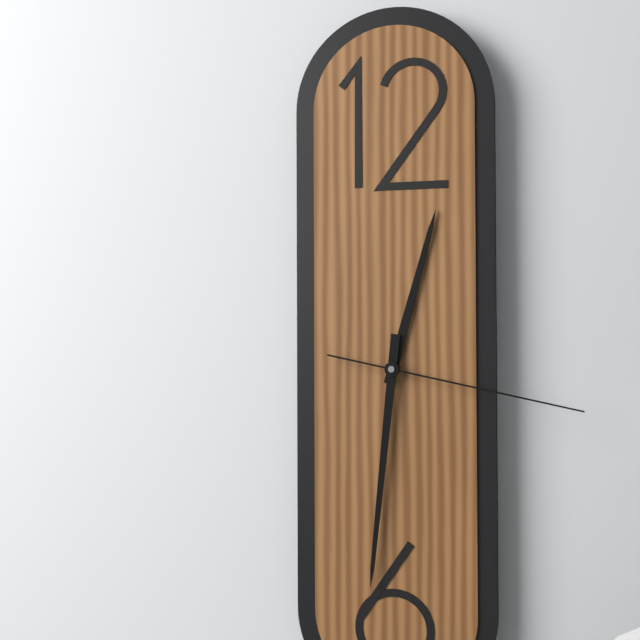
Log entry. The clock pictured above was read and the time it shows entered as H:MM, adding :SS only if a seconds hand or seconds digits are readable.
12:31:17
